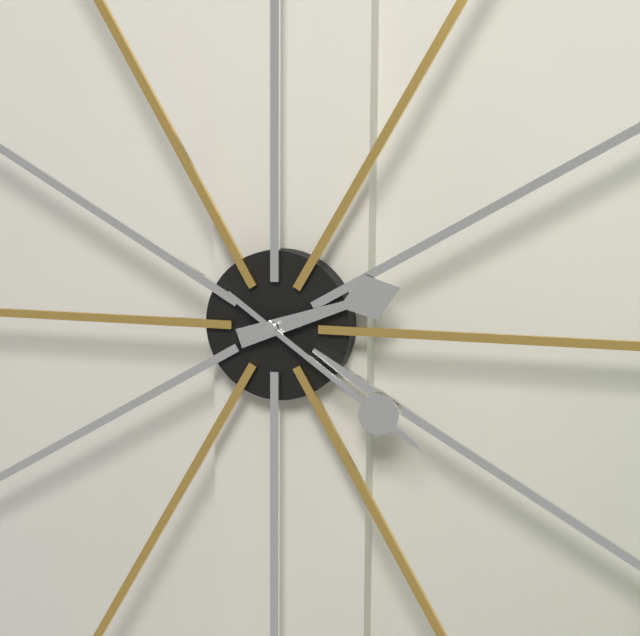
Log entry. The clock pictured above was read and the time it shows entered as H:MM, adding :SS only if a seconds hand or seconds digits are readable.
2:21
